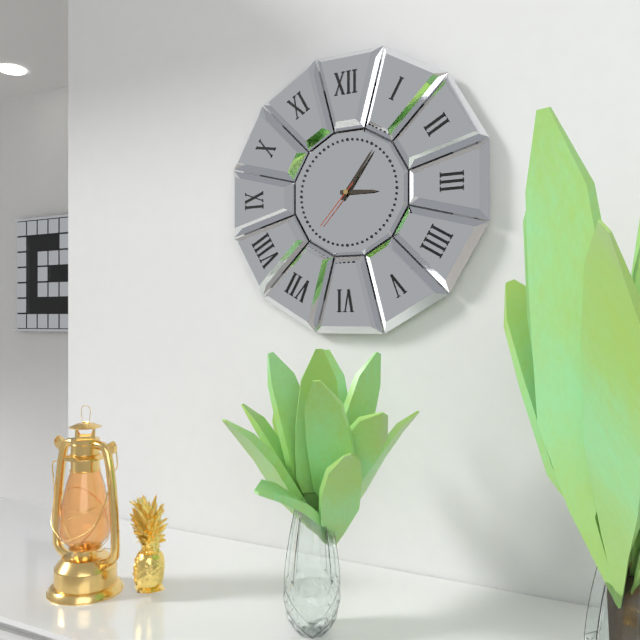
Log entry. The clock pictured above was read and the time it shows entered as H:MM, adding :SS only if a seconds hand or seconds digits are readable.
3:06:37
